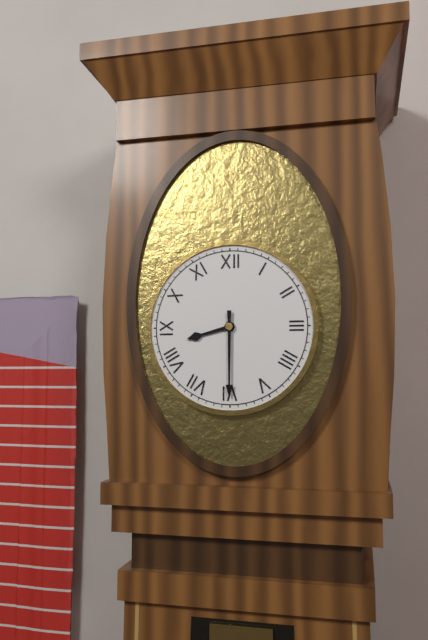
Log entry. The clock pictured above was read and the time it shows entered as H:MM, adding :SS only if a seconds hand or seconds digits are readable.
8:30
